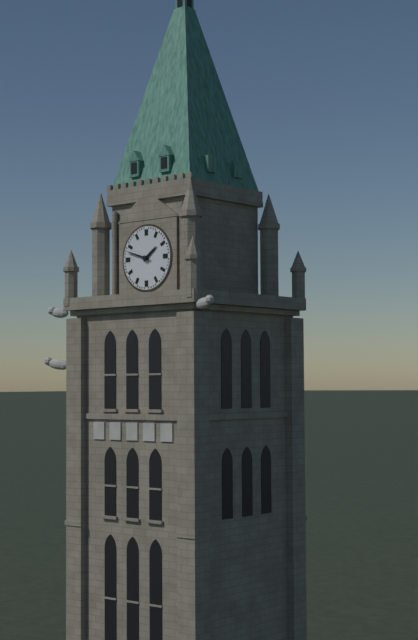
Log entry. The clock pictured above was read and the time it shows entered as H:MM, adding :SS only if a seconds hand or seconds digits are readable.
1:48
